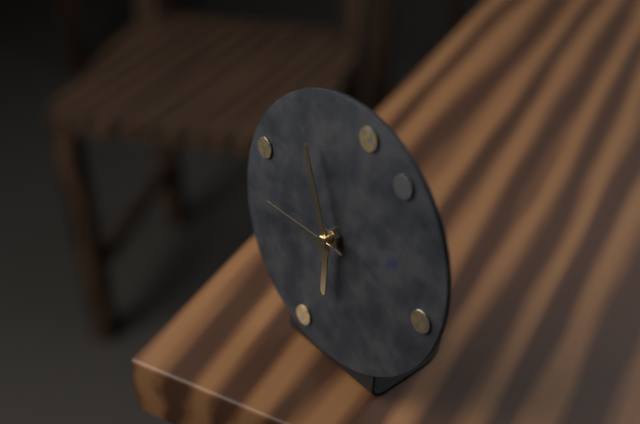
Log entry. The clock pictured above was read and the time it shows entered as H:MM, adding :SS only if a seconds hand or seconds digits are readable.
5:56:45
